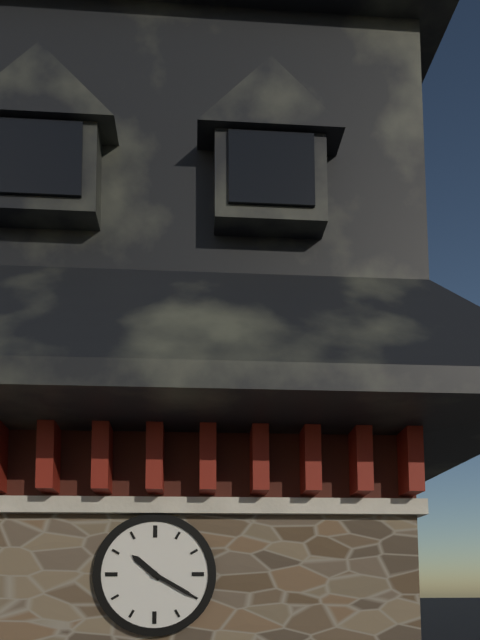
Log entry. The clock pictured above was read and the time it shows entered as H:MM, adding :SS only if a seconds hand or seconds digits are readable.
10:20
